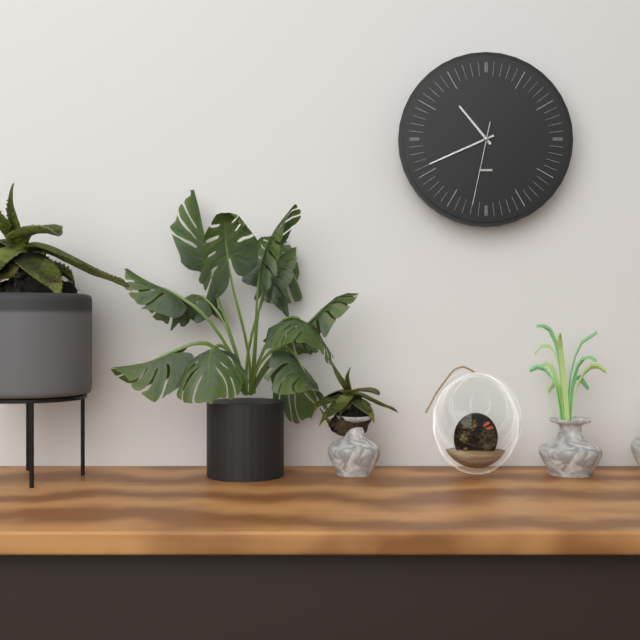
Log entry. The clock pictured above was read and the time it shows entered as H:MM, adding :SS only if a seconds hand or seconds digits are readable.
10:41:32
